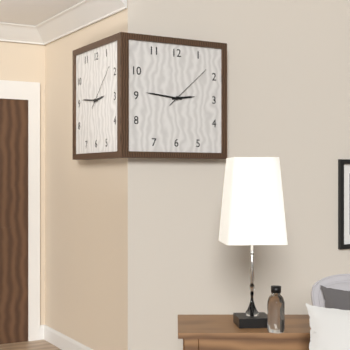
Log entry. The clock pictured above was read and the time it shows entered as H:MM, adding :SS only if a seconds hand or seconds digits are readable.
2:46:08
